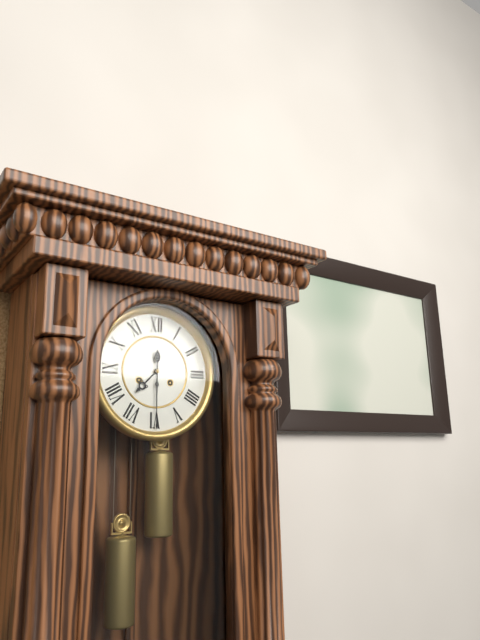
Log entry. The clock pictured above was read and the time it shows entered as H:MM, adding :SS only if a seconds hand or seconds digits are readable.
7:30
